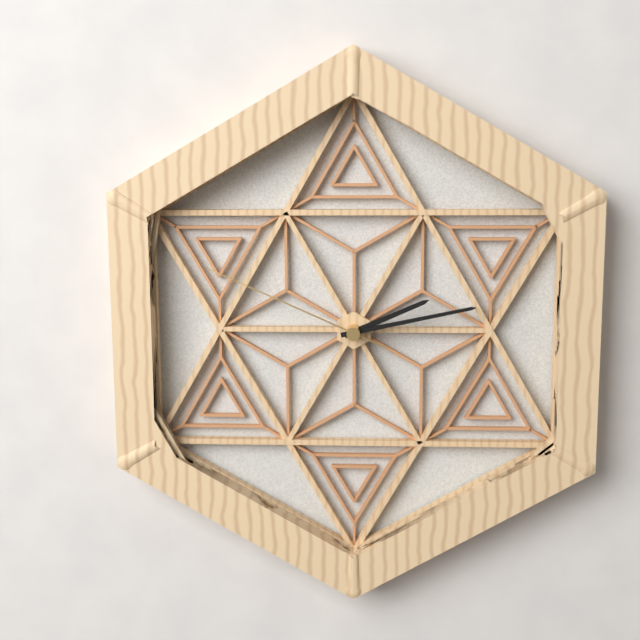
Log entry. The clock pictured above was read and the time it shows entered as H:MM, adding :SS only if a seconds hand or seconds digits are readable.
2:13:49
